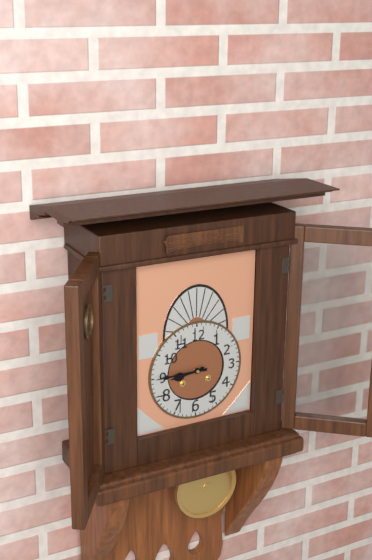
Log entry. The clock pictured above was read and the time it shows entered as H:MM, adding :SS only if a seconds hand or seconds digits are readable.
8:45
